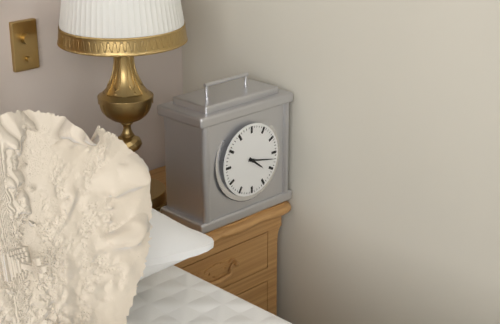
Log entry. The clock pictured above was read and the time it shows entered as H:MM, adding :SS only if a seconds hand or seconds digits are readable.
4:17
